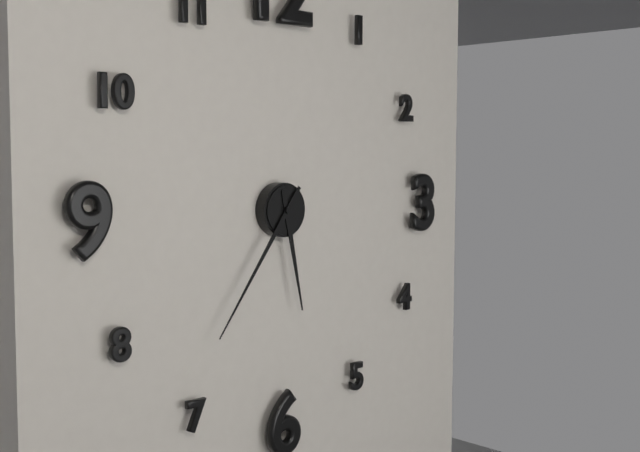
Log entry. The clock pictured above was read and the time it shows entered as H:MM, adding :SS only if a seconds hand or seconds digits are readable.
5:36
